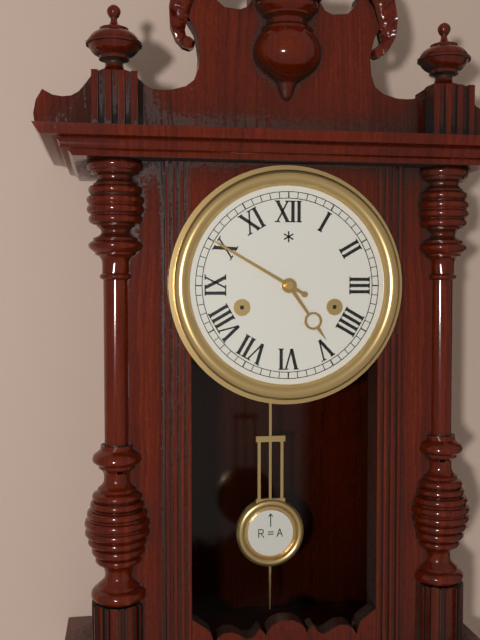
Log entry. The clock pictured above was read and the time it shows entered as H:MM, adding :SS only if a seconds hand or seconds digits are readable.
4:50
